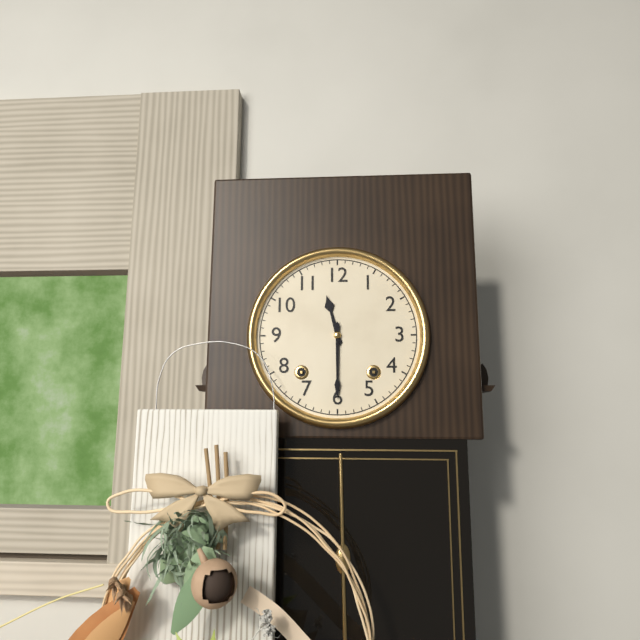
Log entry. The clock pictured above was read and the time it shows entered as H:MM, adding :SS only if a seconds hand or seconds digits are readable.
11:30
